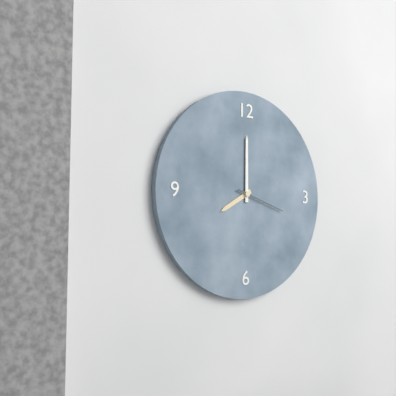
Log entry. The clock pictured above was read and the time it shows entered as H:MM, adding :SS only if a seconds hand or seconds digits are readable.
8:00
